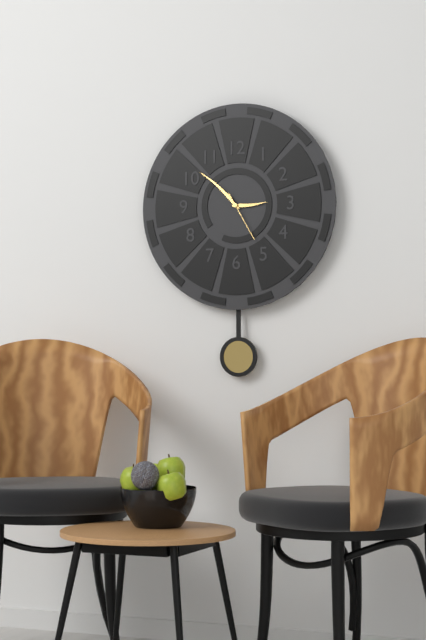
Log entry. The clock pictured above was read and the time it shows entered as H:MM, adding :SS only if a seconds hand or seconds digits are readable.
2:52
